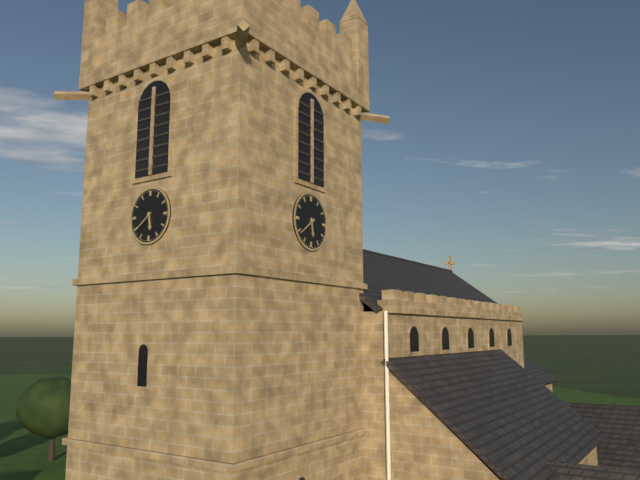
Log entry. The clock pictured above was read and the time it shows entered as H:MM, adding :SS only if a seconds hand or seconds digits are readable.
5:39
